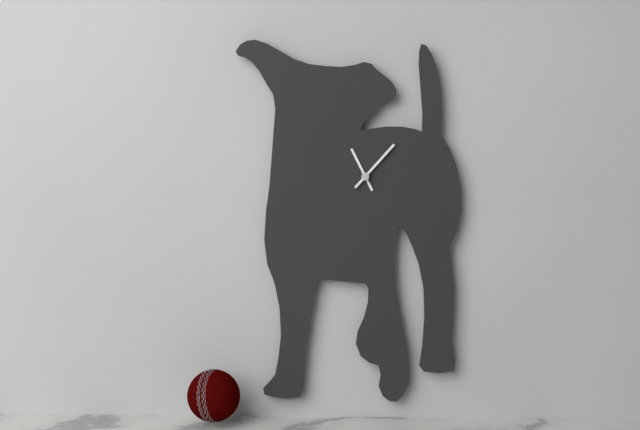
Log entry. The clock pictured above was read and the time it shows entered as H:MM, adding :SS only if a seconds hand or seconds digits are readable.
11:07
